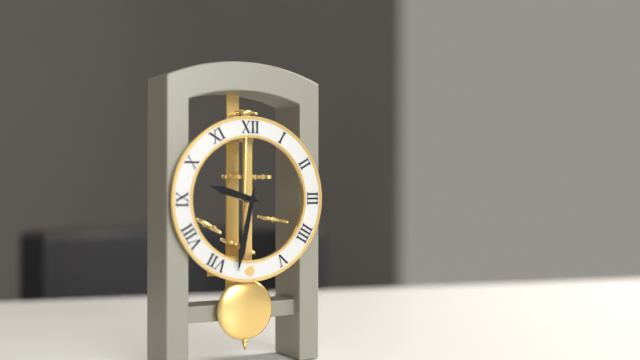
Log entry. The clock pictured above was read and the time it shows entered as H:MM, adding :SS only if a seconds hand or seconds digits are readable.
9:32
